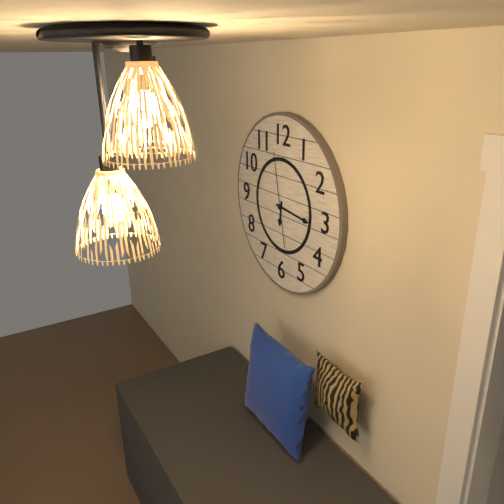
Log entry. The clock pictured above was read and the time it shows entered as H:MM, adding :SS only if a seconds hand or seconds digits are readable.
6:16:58
